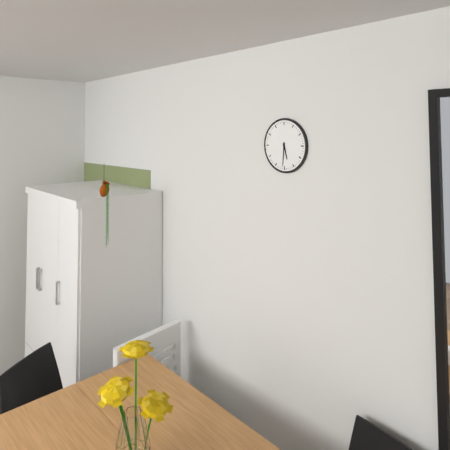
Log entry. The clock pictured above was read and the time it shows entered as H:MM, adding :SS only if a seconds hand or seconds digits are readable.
5:31
